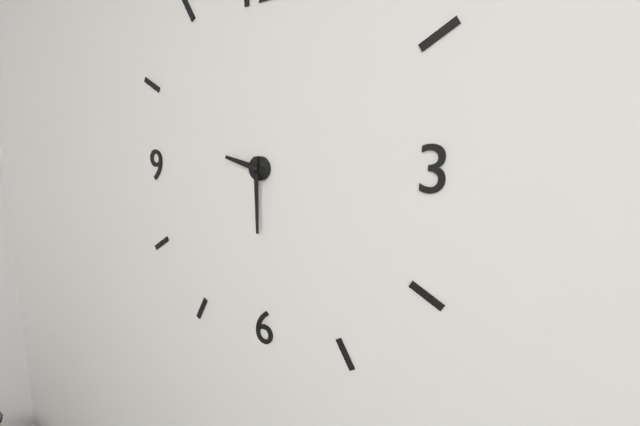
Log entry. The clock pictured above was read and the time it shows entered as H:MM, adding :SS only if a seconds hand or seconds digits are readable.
9:30
